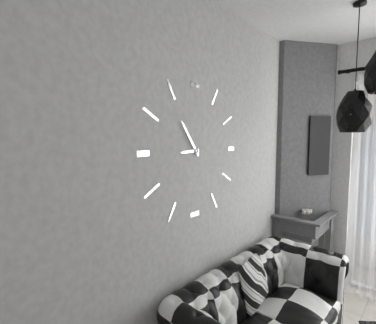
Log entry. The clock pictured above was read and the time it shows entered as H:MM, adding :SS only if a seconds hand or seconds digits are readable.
8:54
